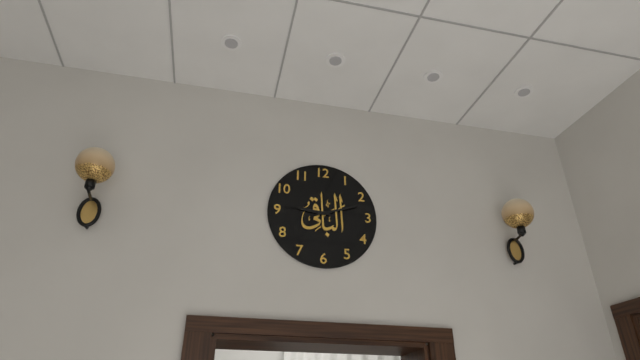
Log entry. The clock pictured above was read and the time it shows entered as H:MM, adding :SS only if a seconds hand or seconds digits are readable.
9:12
